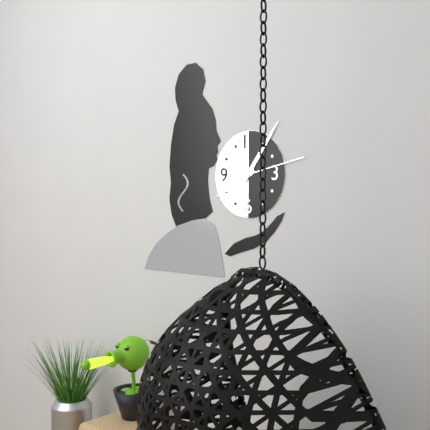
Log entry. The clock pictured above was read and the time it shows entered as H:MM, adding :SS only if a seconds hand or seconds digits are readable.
8:06:13
